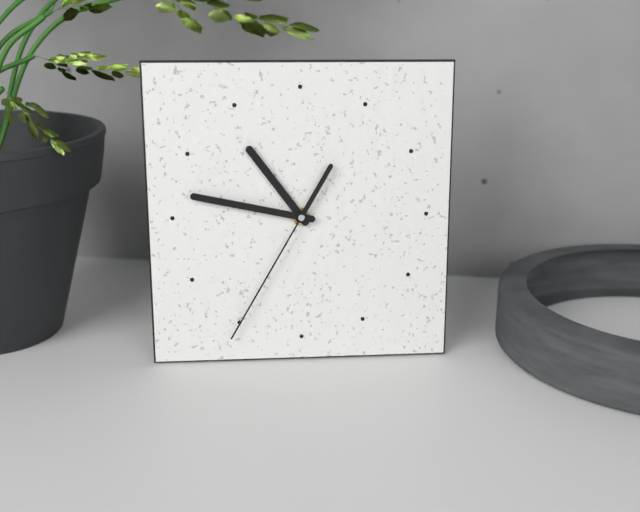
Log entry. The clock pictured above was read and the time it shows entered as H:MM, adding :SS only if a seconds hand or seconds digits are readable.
10:47:35
